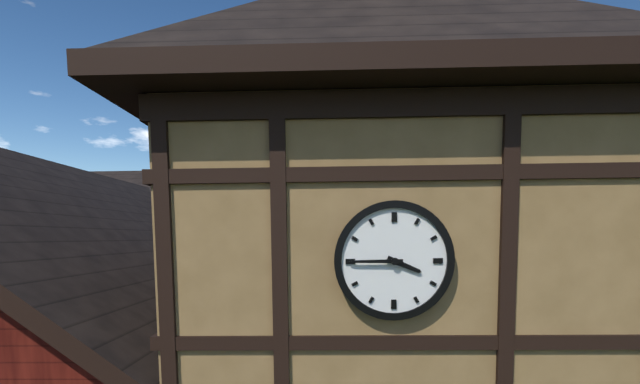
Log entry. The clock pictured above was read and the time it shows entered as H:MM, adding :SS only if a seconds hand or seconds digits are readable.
3:45
